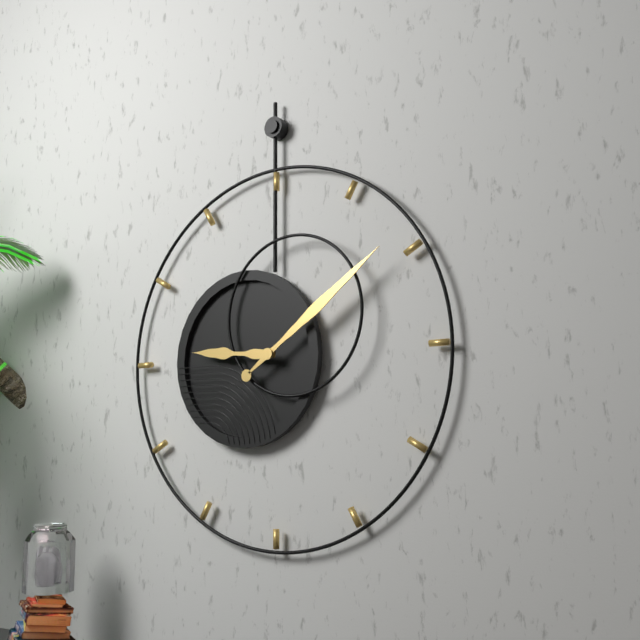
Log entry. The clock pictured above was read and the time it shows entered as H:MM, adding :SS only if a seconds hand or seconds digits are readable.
9:09
